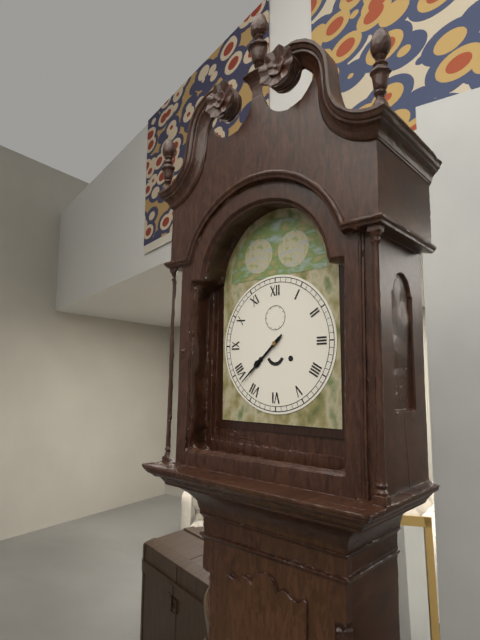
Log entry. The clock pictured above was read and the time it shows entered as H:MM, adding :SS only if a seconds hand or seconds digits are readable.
7:38
